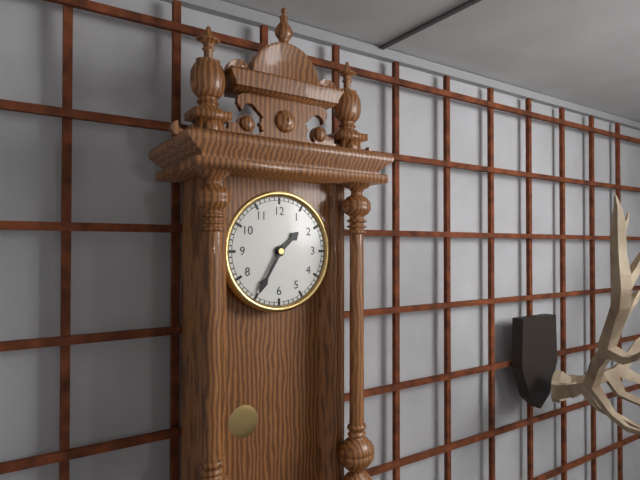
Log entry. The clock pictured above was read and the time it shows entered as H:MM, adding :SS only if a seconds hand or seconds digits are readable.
1:35
